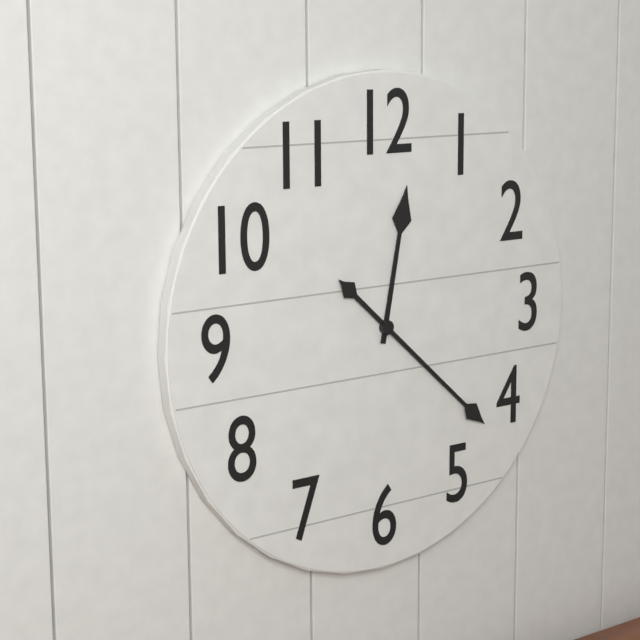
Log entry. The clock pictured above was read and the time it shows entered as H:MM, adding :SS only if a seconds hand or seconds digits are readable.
12:22
